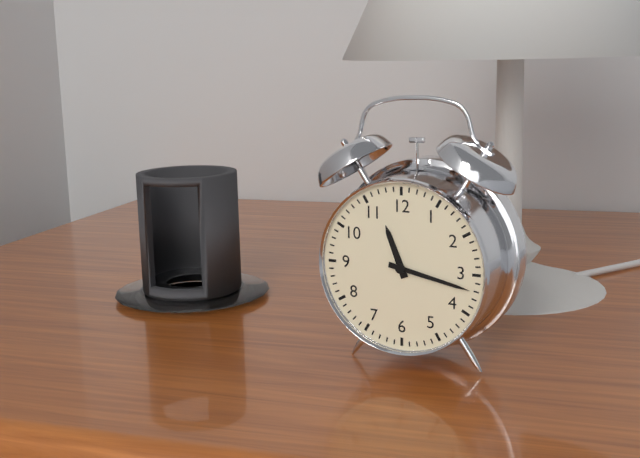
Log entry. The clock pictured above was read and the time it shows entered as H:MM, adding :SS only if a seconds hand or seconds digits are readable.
11:17
